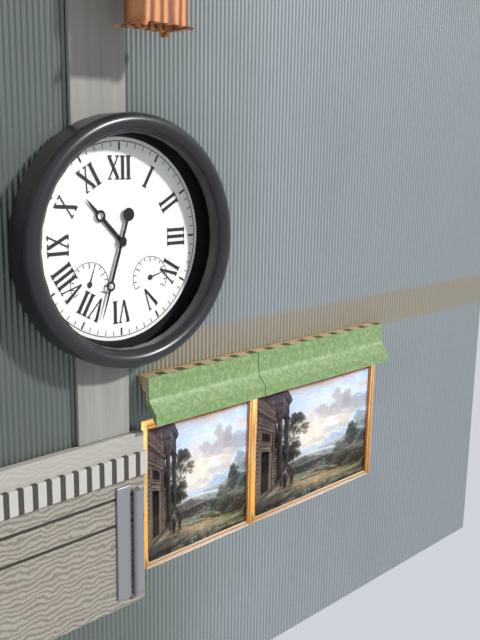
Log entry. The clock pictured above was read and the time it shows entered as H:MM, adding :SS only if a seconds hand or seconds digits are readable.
10:33
